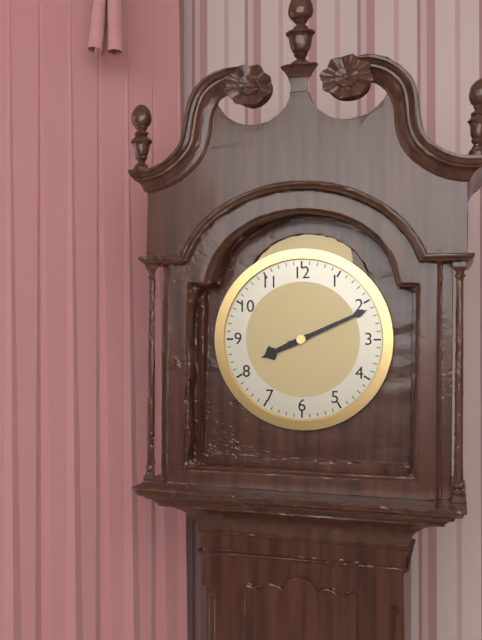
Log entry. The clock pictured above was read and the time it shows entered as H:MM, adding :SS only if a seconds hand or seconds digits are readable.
8:11
